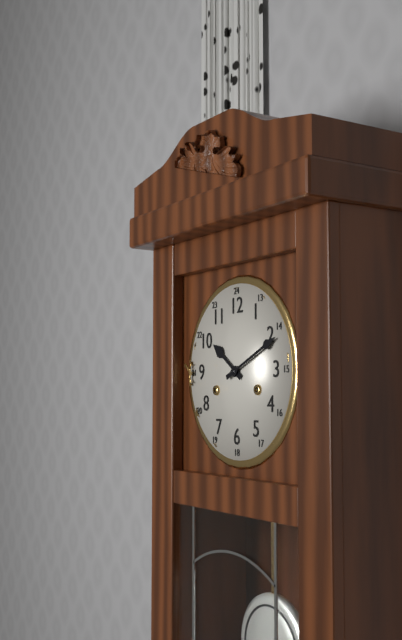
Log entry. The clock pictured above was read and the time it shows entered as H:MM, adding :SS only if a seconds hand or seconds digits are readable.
10:11
